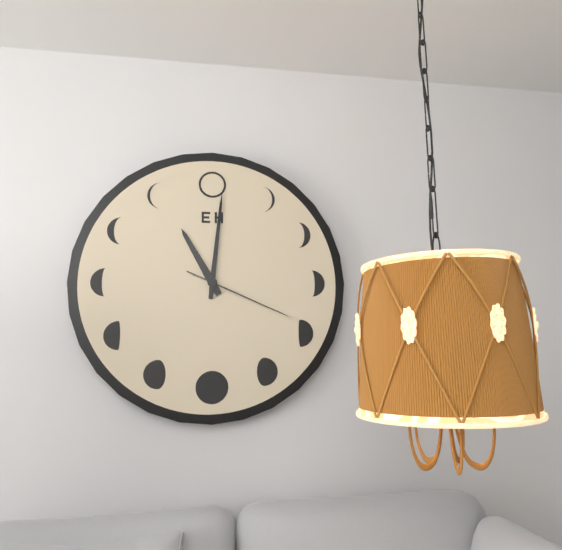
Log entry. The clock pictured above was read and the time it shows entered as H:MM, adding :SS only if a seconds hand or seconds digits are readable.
11:01:19
